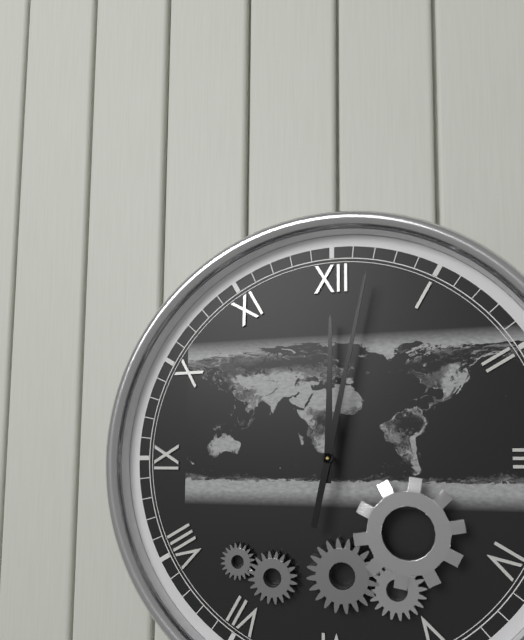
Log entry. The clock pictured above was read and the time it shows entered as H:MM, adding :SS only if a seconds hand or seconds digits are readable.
12:02
